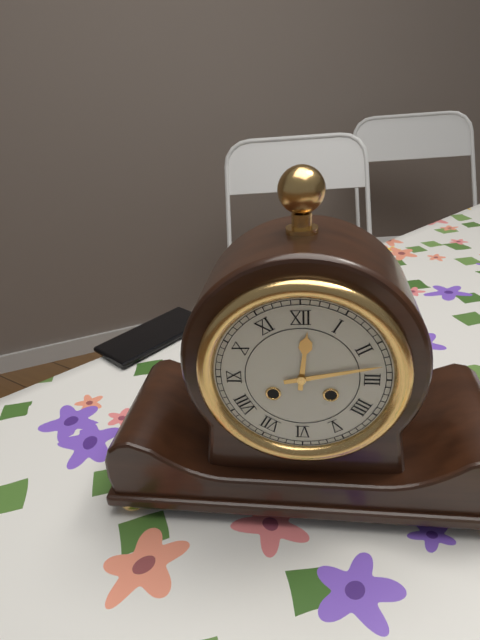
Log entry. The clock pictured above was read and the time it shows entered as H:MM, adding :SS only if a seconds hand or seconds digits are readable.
12:13
